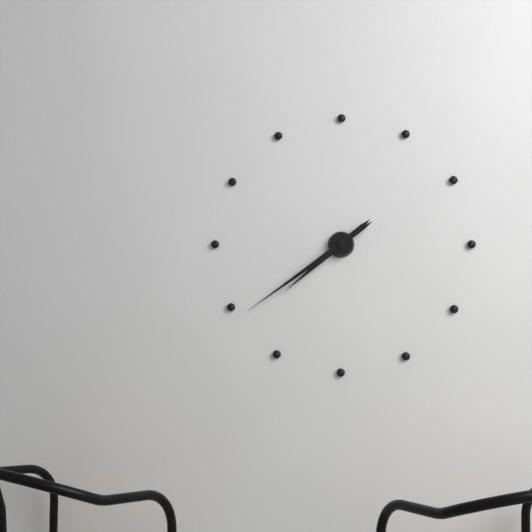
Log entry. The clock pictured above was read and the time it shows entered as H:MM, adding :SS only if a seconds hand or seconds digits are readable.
7:39
